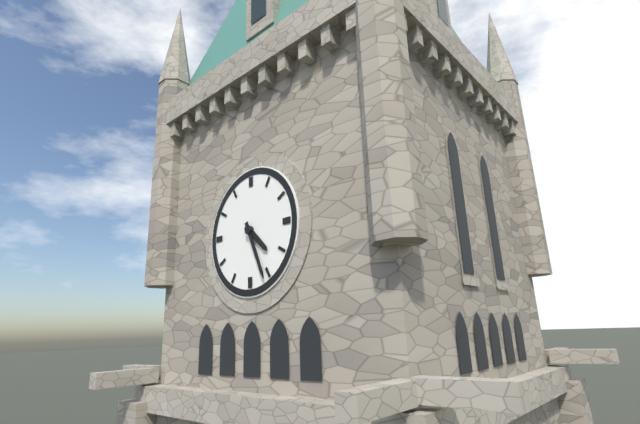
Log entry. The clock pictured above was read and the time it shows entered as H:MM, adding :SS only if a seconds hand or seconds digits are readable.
4:26
